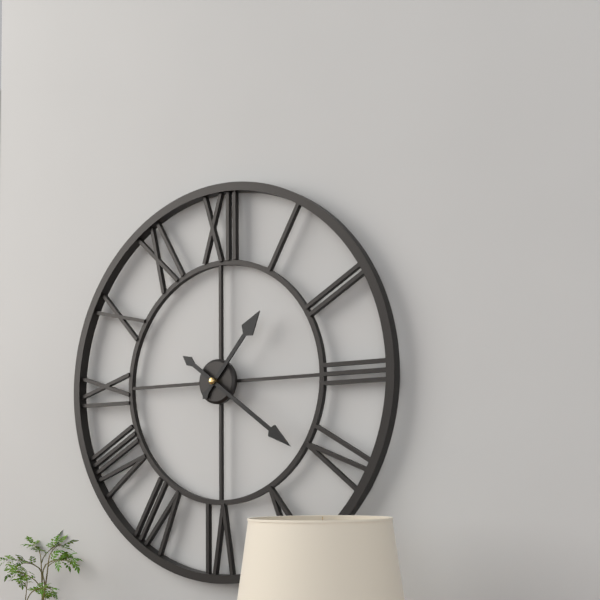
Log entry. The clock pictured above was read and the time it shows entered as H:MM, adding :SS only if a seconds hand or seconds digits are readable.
1:21
